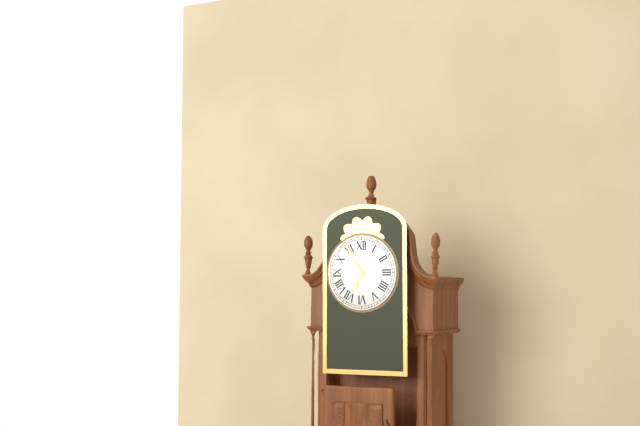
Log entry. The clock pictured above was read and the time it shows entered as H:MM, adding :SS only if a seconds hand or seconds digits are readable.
6:55
